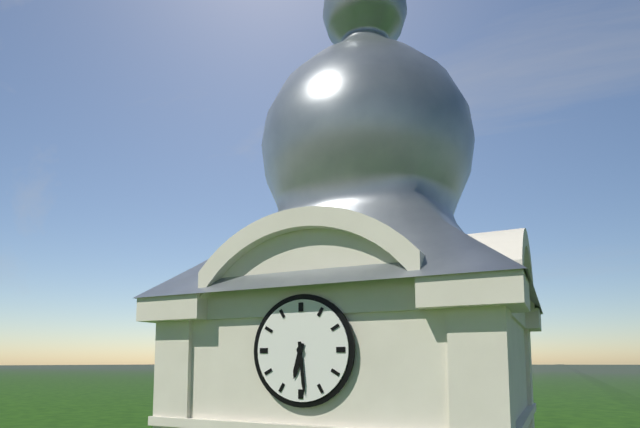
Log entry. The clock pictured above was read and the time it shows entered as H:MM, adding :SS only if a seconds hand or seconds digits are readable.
6:29
